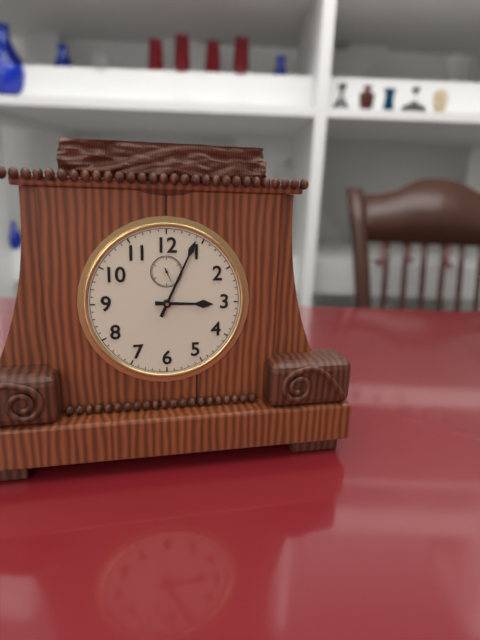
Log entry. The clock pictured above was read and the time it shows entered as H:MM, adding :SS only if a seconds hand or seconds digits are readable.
3:04
